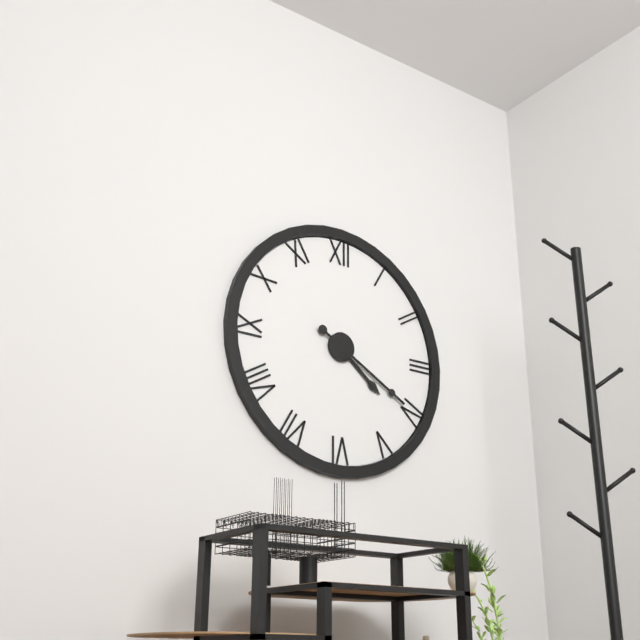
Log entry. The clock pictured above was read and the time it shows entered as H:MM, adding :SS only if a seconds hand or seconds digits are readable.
4:20
